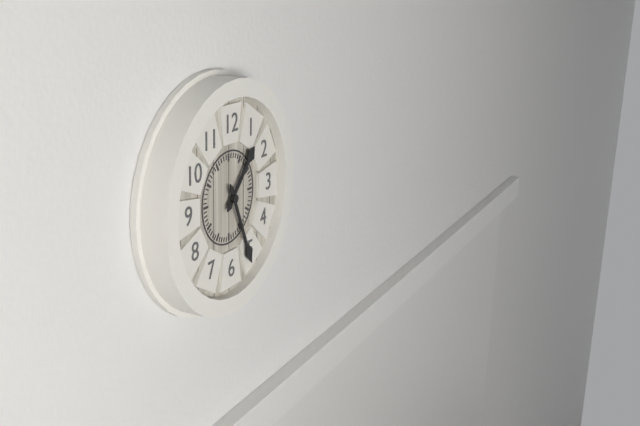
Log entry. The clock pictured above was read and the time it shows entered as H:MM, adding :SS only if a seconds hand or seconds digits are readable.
1:26
